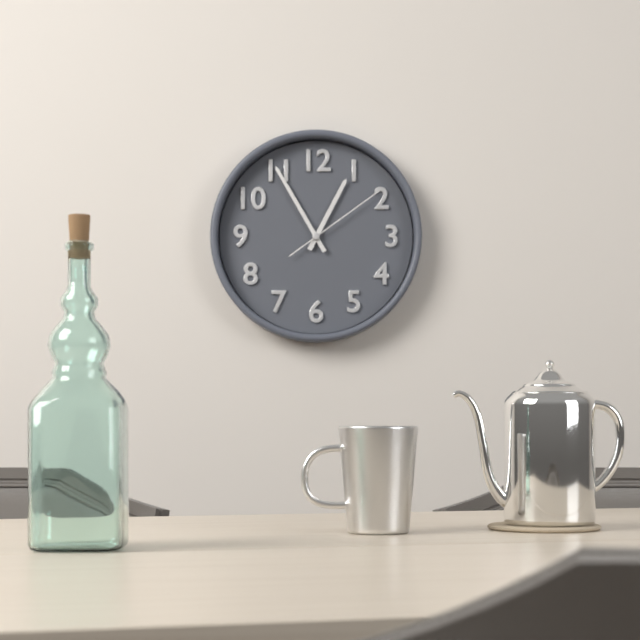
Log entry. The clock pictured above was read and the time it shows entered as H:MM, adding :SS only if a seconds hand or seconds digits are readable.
12:55:09
